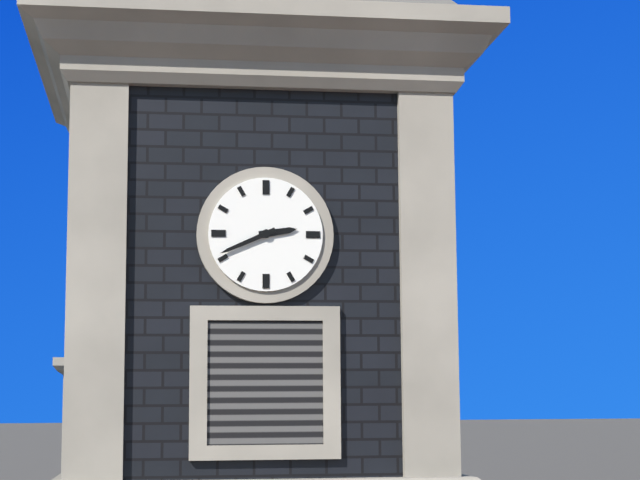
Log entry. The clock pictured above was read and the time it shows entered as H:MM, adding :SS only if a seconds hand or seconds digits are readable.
2:41
